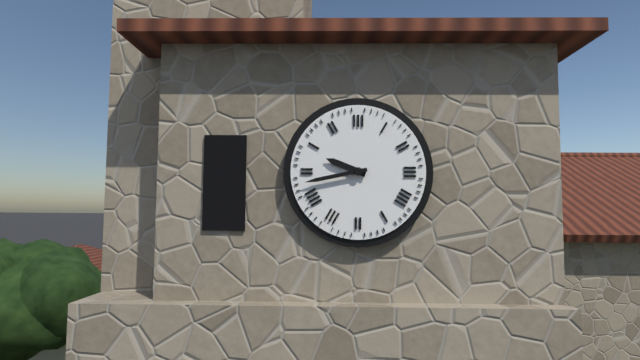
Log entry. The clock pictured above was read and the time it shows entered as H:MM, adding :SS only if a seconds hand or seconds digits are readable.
9:43
